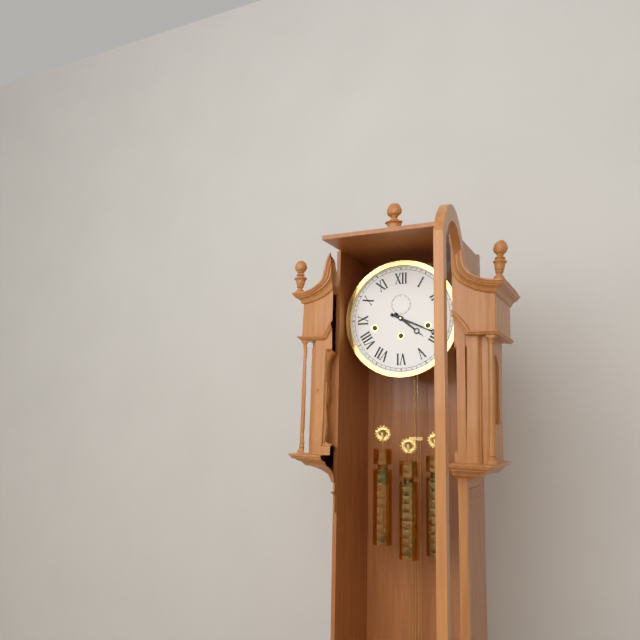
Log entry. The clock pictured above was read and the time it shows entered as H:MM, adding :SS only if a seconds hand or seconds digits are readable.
4:19
